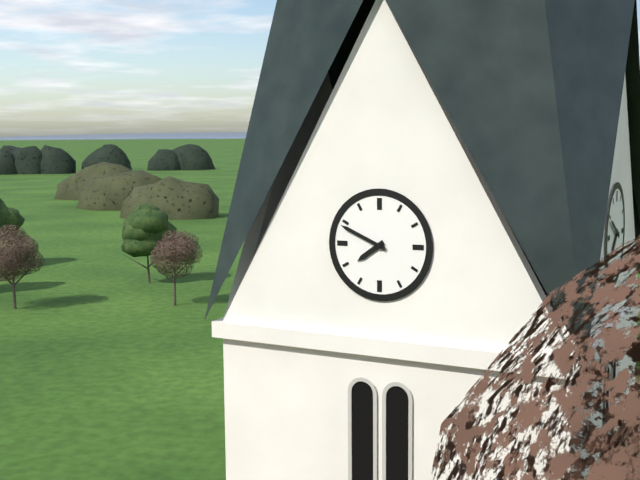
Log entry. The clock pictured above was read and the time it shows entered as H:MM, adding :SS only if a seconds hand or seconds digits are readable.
7:49
